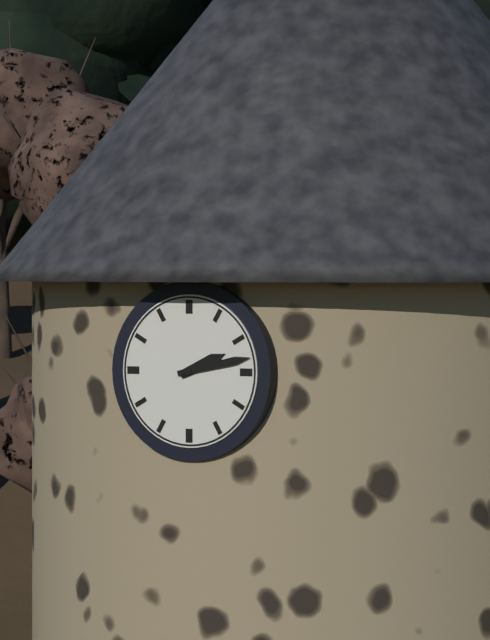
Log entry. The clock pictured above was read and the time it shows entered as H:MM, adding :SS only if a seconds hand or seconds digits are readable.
2:13
